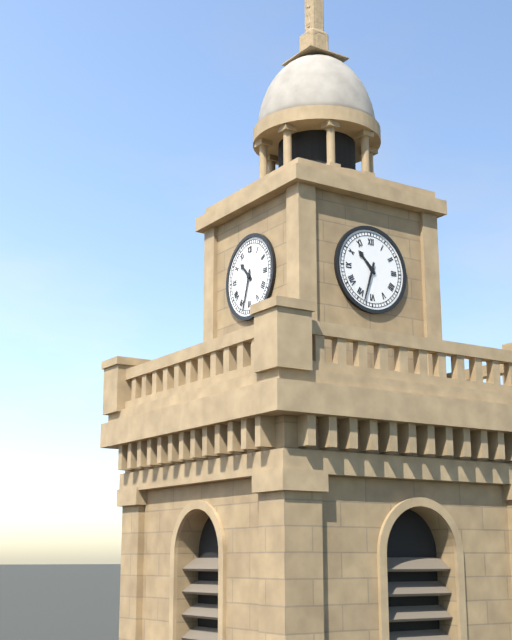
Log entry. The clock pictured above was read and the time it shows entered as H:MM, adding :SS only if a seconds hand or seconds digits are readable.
10:33
